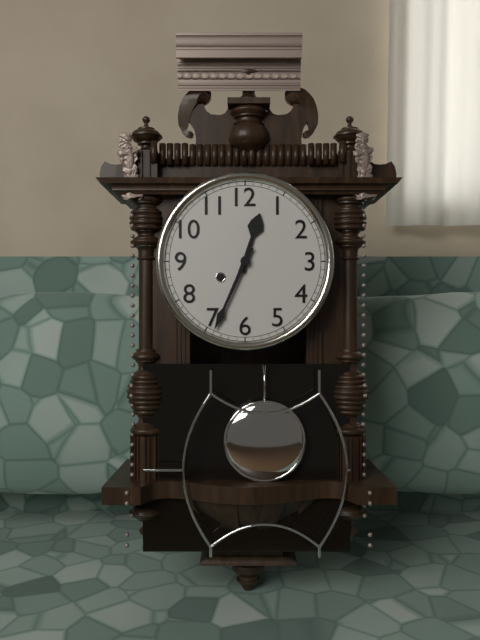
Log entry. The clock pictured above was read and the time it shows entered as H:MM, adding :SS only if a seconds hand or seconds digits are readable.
12:34
